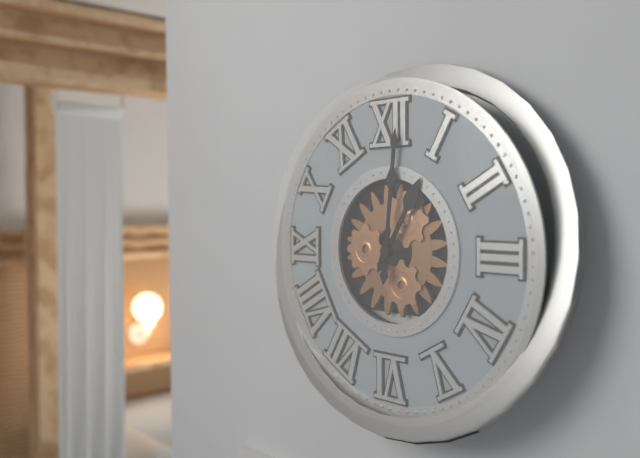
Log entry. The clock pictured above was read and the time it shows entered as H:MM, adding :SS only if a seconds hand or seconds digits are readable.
1:01
